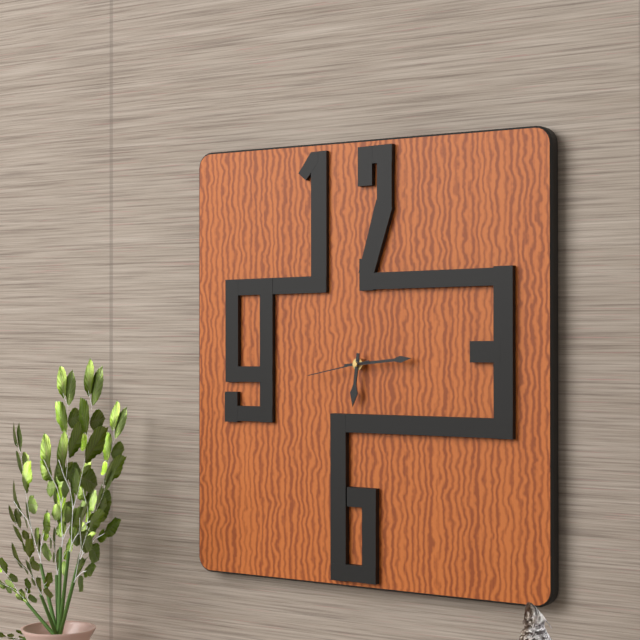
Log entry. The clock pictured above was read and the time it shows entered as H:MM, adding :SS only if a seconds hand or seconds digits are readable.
6:14:43
